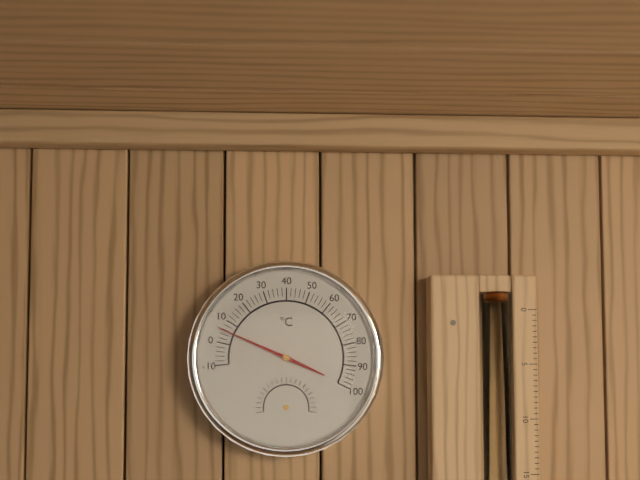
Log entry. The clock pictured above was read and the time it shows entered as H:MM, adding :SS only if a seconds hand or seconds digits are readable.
3:49
